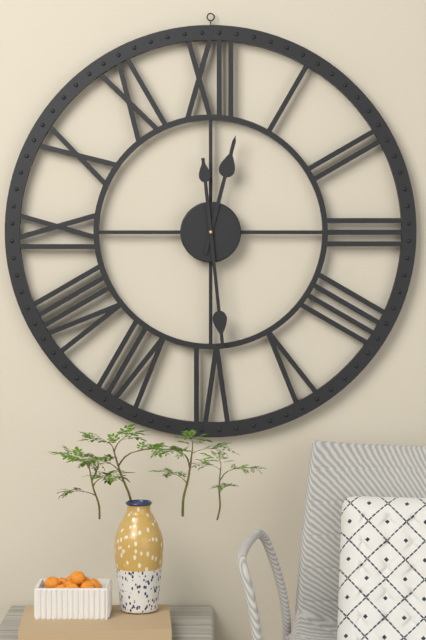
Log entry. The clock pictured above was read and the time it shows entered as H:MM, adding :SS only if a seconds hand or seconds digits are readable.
12:29
